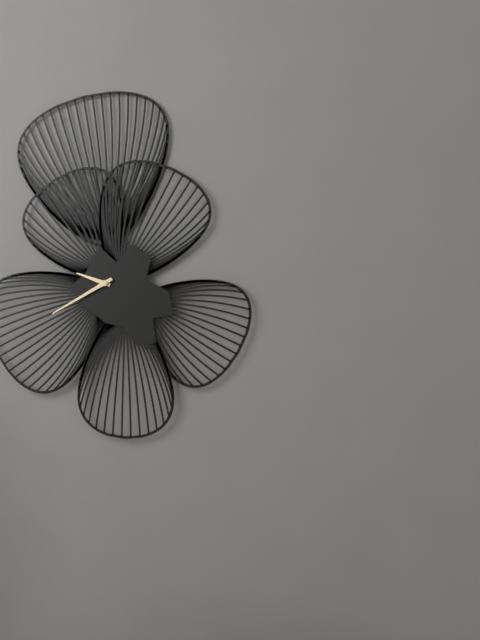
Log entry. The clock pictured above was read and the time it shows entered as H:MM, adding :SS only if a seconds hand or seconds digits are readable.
9:40
